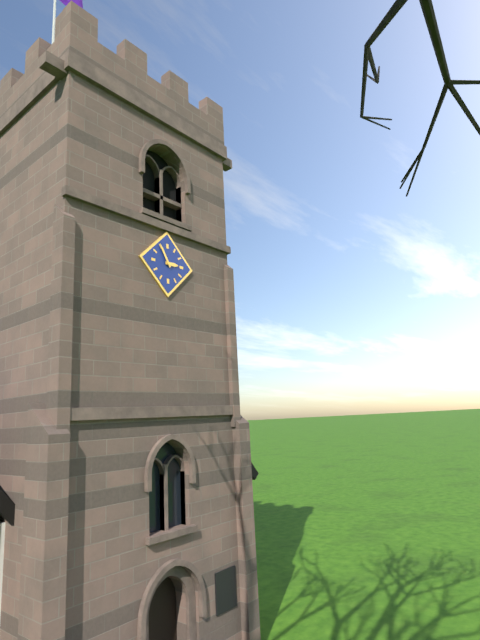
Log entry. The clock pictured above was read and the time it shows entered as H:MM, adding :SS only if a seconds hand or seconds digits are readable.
2:55
